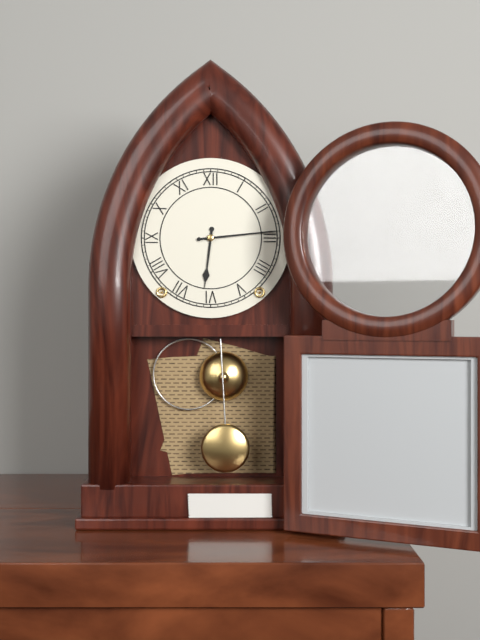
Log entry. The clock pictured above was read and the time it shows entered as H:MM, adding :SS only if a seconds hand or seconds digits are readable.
6:14
